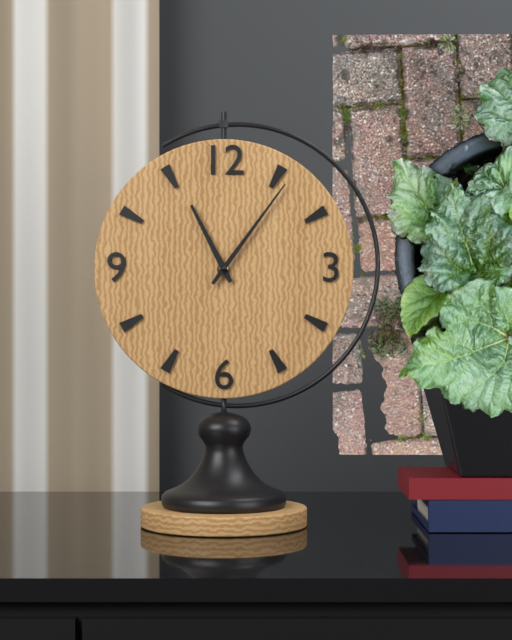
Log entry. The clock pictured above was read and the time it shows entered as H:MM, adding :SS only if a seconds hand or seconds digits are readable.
11:06
